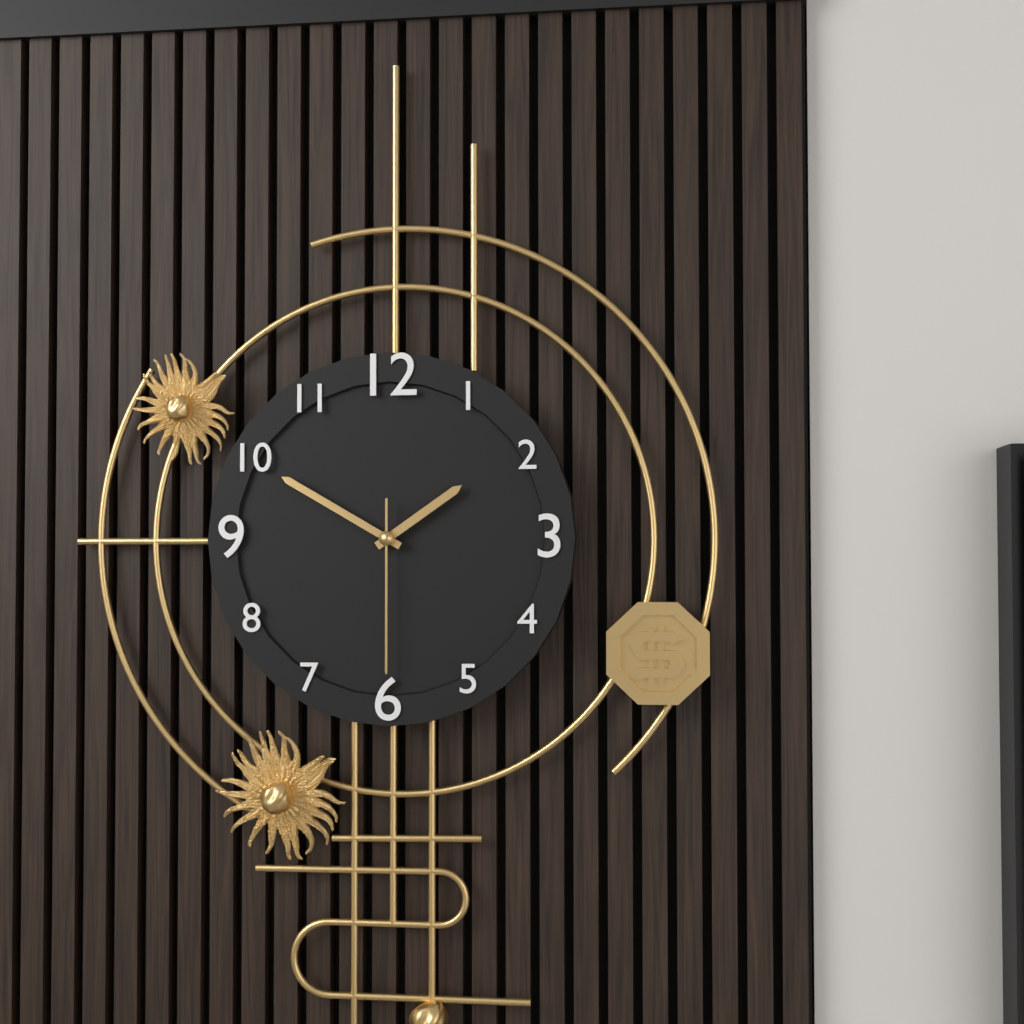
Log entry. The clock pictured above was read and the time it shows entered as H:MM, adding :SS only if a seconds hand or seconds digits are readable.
1:50:30
